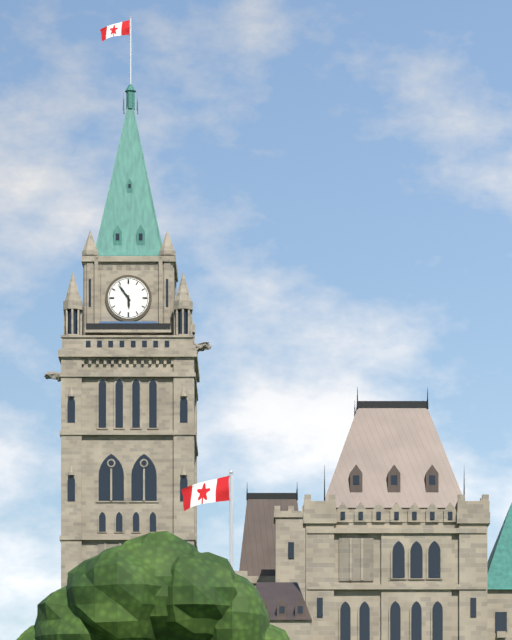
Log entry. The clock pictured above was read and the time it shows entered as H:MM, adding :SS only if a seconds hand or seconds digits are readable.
5:54
